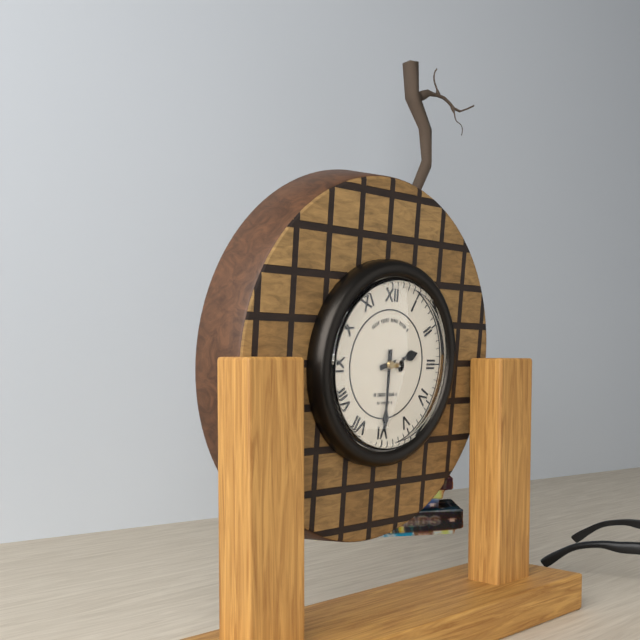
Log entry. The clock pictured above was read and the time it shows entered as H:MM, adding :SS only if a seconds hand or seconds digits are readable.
2:30
